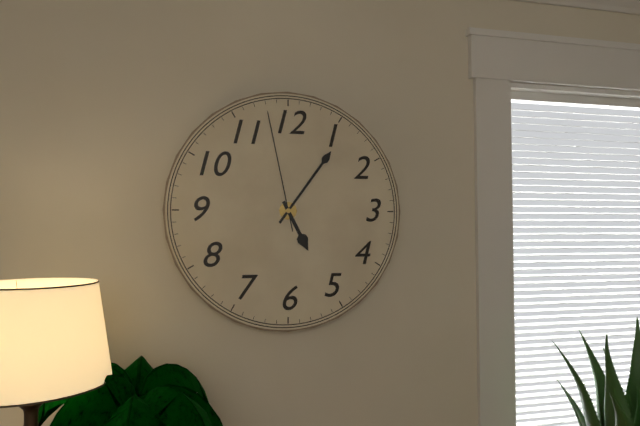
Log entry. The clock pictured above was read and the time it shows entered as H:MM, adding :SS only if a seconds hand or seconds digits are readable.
5:06:58
